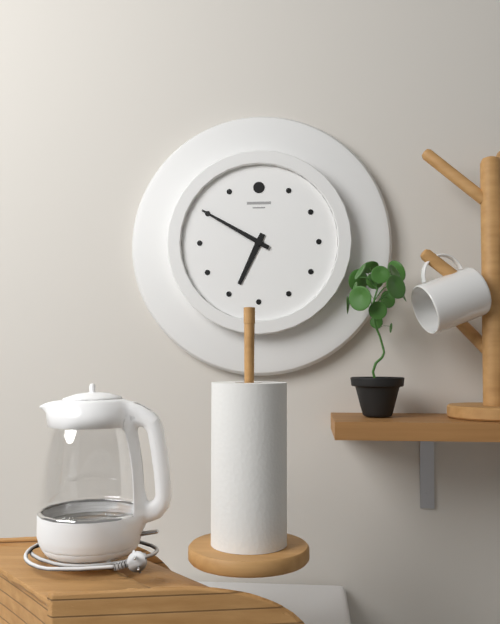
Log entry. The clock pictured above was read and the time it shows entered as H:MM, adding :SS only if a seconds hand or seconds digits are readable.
6:50
